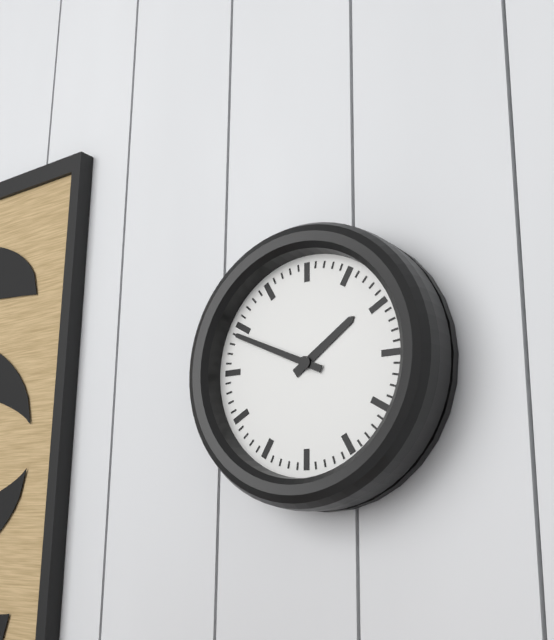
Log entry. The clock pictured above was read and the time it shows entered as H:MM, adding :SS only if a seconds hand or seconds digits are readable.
1:49
